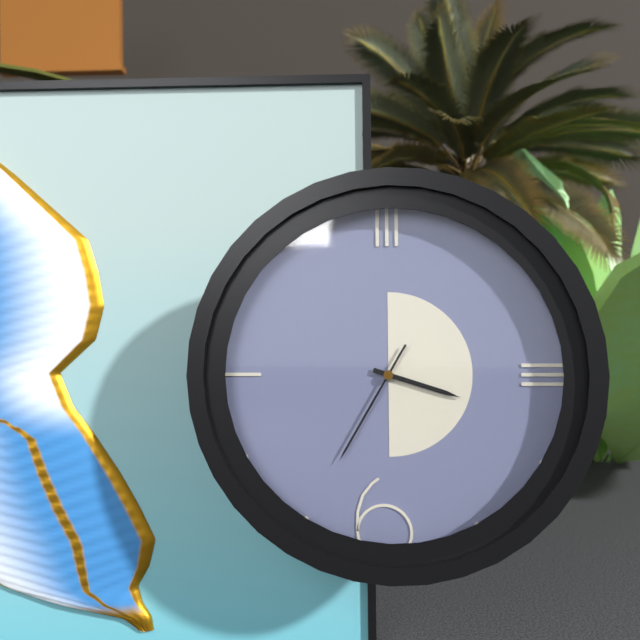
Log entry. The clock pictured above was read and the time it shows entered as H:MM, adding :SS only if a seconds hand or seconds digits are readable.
3:35
